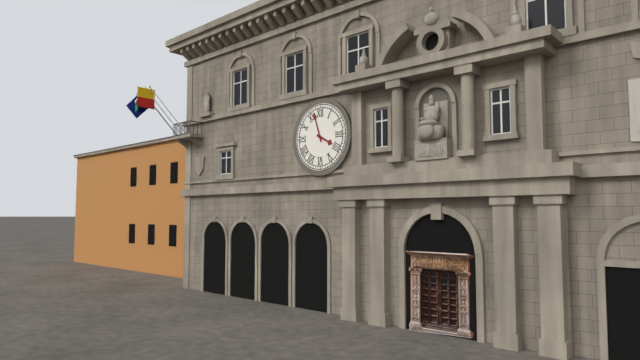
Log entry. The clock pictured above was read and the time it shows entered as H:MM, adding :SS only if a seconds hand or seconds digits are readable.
3:57
